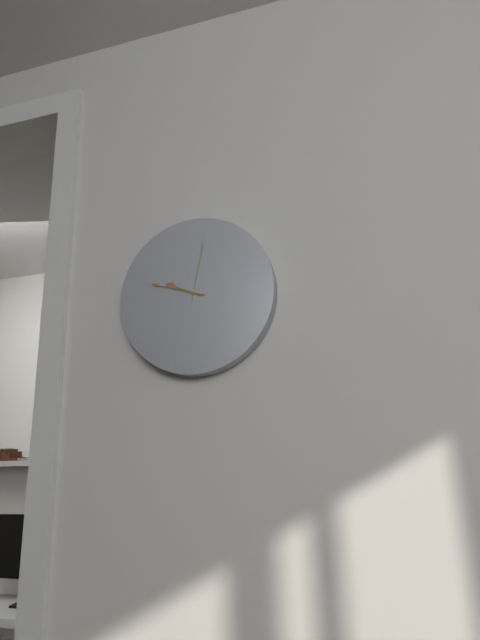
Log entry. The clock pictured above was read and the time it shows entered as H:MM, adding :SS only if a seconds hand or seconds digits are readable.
9:48:02
